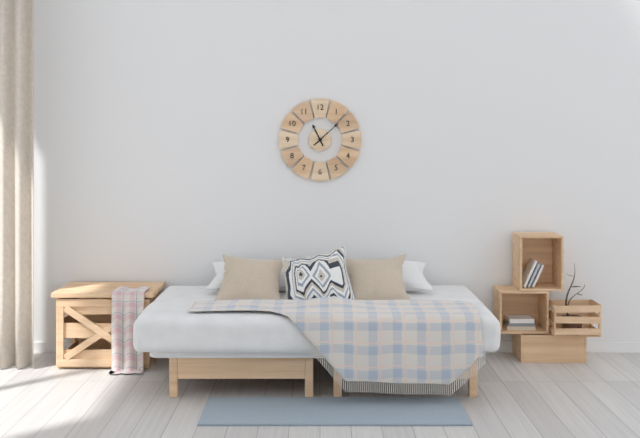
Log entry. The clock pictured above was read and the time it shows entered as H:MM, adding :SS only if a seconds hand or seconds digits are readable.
11:08
